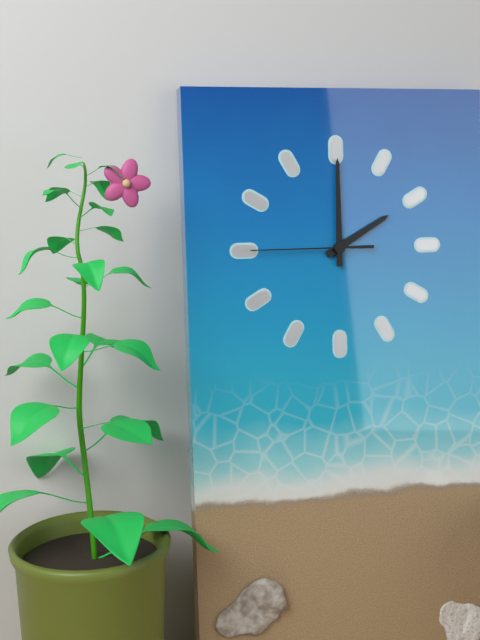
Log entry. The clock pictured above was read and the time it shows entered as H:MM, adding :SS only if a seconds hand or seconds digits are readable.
2:00:45
